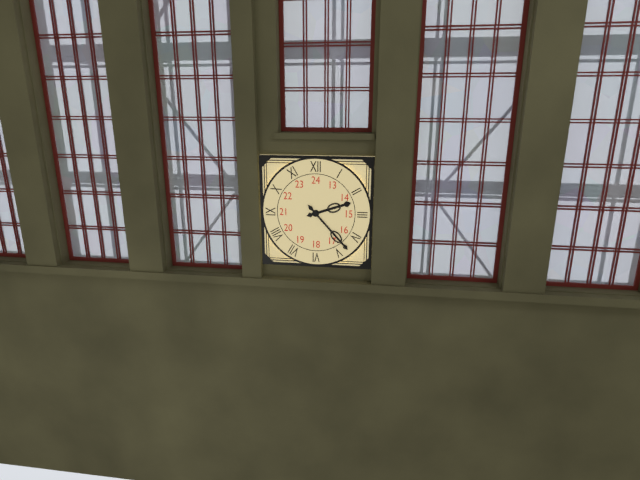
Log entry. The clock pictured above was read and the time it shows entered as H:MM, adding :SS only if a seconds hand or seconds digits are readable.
2:23
